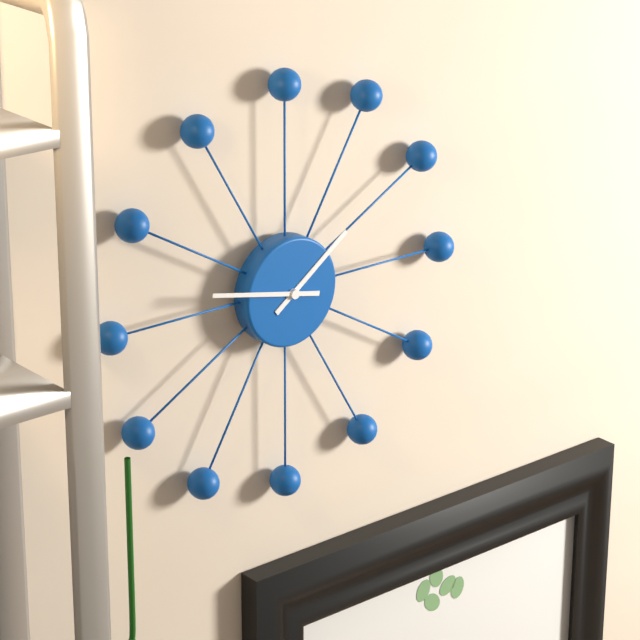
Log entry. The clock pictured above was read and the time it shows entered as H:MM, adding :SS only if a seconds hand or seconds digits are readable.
1:47
